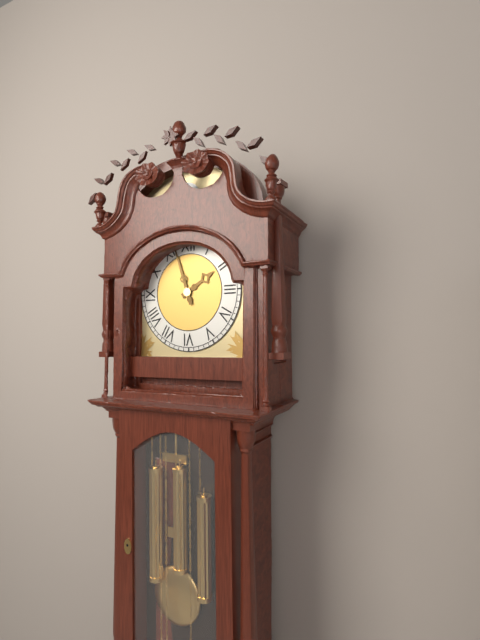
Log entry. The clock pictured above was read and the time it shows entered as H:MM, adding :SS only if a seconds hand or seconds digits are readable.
1:57
